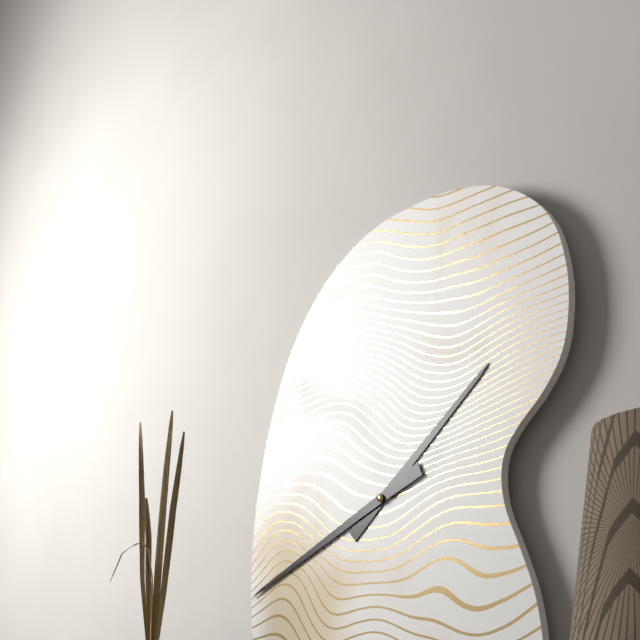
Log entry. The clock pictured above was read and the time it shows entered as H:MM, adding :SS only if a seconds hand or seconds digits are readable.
1:41
